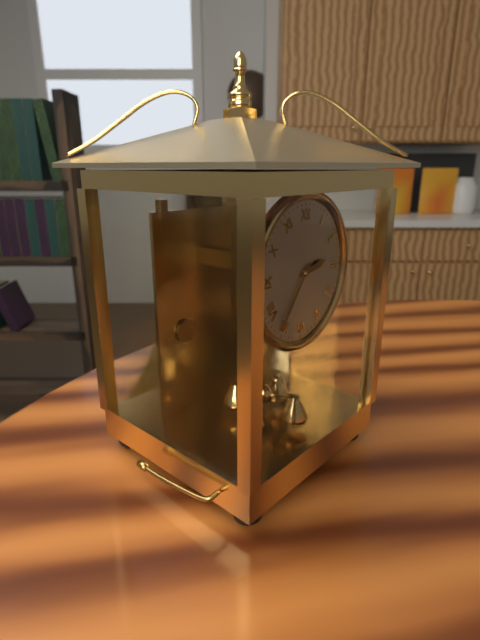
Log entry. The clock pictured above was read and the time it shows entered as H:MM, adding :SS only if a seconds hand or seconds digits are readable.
2:36
